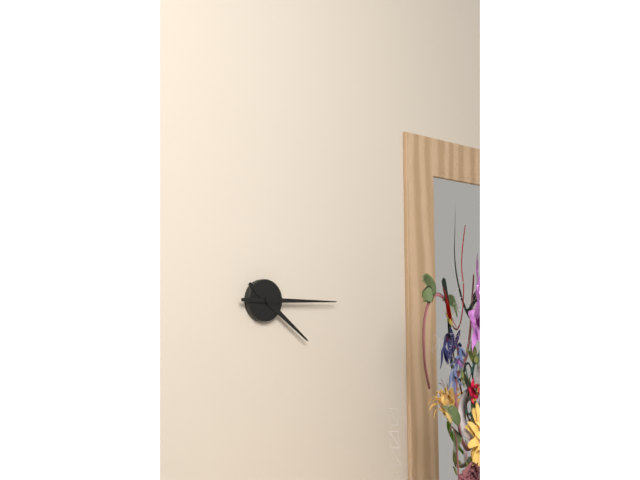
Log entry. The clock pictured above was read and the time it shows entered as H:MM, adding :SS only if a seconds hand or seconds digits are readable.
4:15
